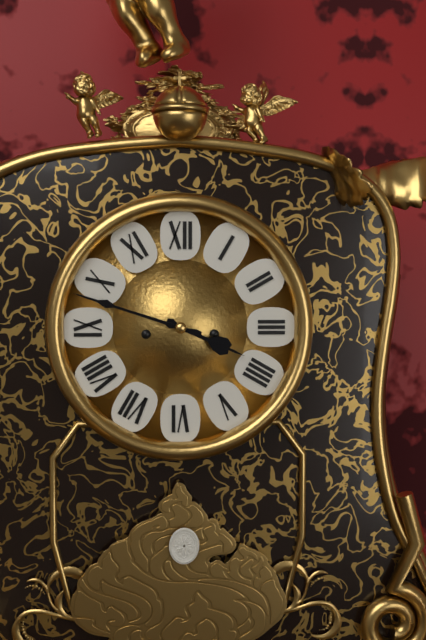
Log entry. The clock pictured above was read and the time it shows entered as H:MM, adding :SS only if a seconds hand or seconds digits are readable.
3:48
